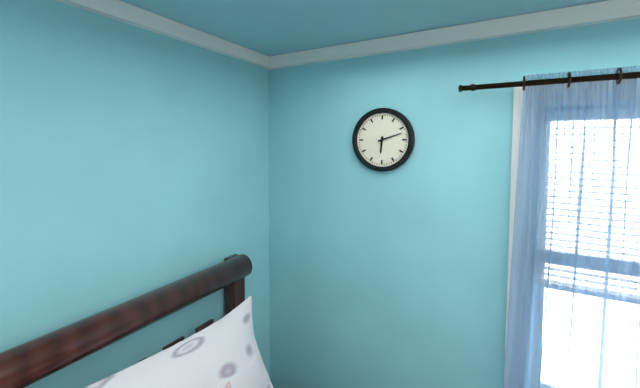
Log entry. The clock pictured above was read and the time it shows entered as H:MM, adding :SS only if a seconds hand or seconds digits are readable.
6:12
